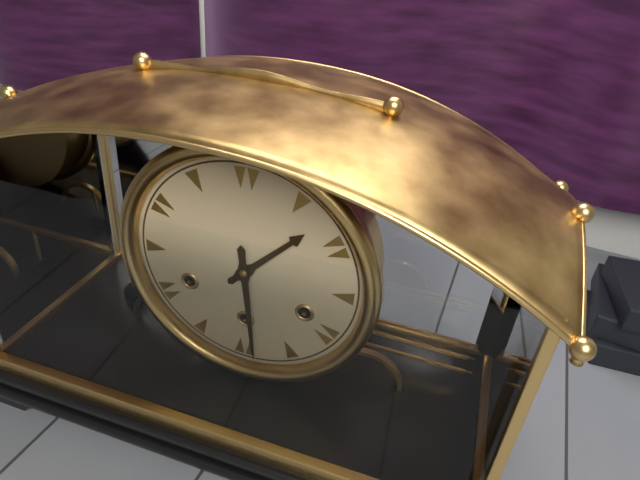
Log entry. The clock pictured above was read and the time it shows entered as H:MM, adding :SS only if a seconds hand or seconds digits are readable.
1:29
